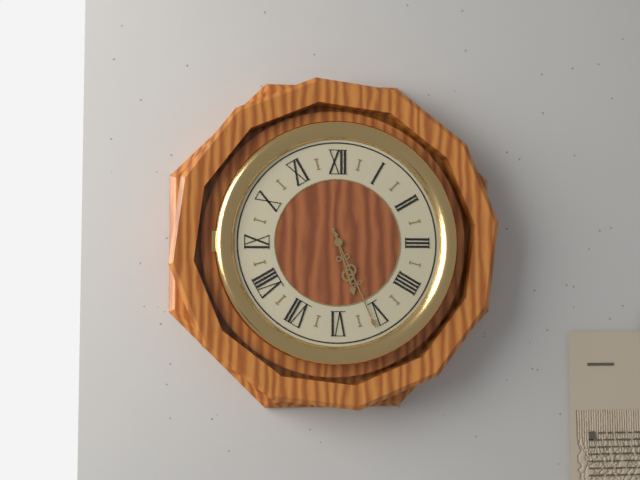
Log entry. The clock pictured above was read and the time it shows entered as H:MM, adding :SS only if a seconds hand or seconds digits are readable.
5:26
